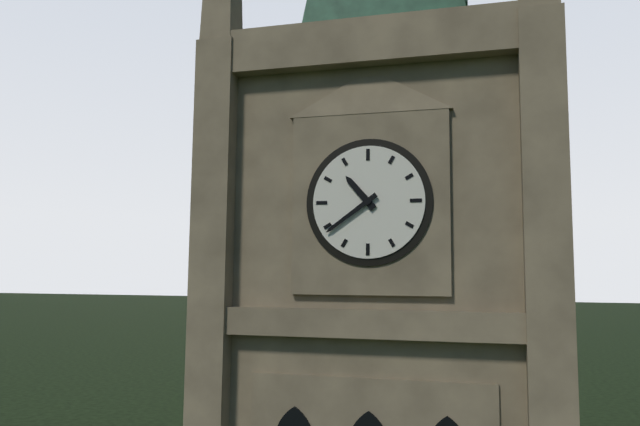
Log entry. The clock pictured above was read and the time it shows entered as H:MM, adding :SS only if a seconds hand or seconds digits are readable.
10:39
